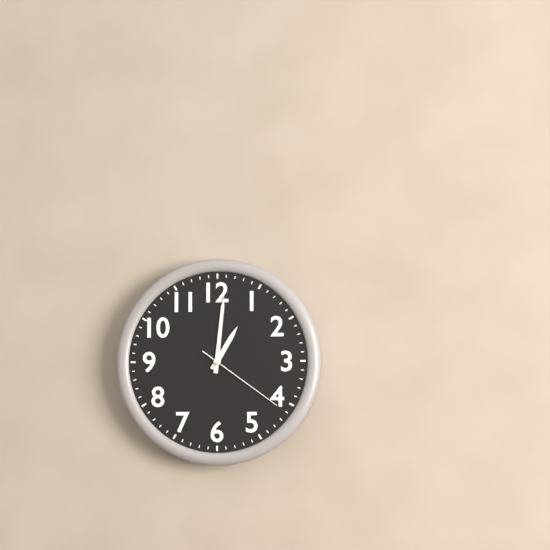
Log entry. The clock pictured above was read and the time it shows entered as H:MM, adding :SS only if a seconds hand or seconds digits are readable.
1:01:21
